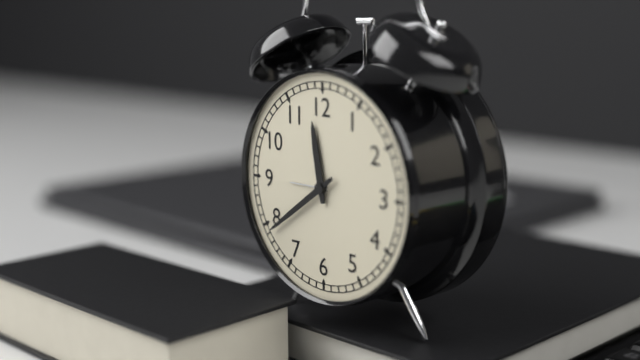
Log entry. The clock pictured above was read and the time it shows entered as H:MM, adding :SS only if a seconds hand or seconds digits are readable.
11:39
